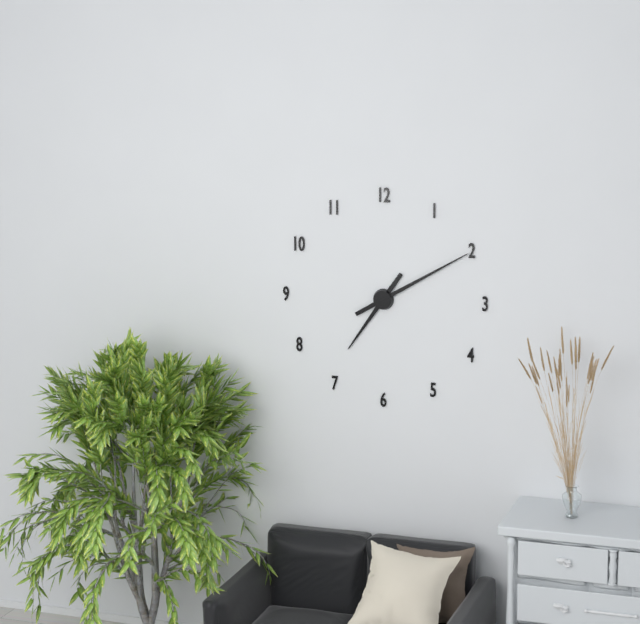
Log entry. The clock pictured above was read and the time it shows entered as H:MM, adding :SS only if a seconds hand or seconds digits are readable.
7:10
